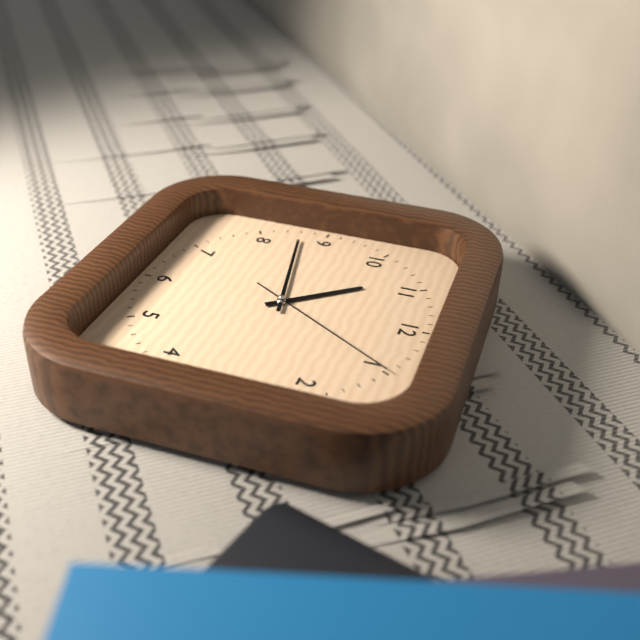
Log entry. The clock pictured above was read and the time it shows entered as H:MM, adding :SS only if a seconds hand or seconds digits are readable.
10:43:05
